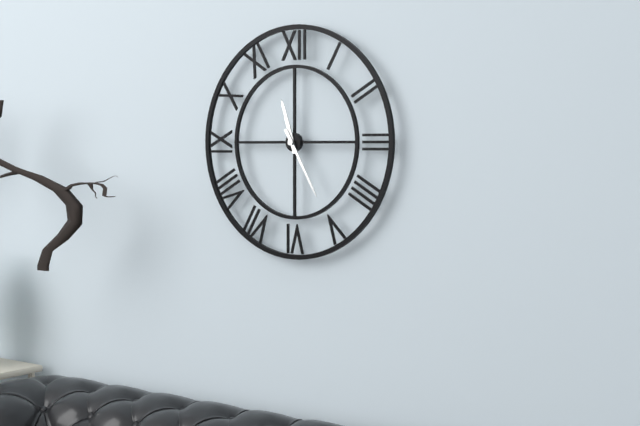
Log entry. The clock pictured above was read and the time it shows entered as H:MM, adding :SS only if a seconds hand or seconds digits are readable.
11:25
